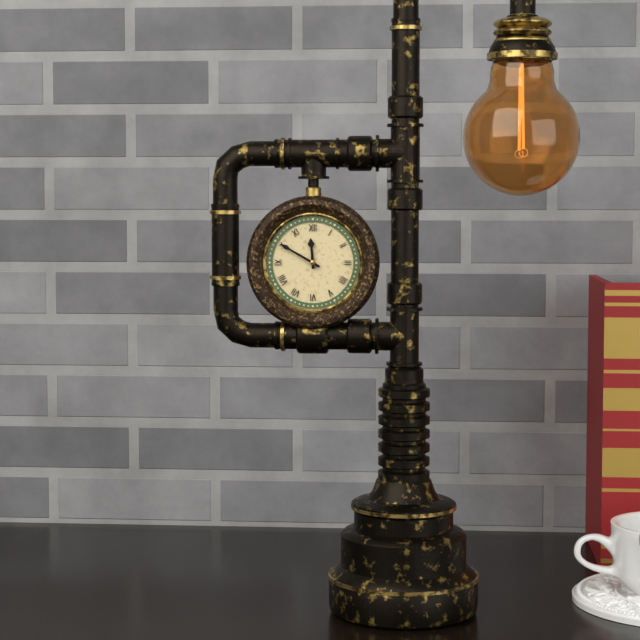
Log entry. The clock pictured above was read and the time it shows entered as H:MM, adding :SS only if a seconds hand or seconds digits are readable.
11:50
